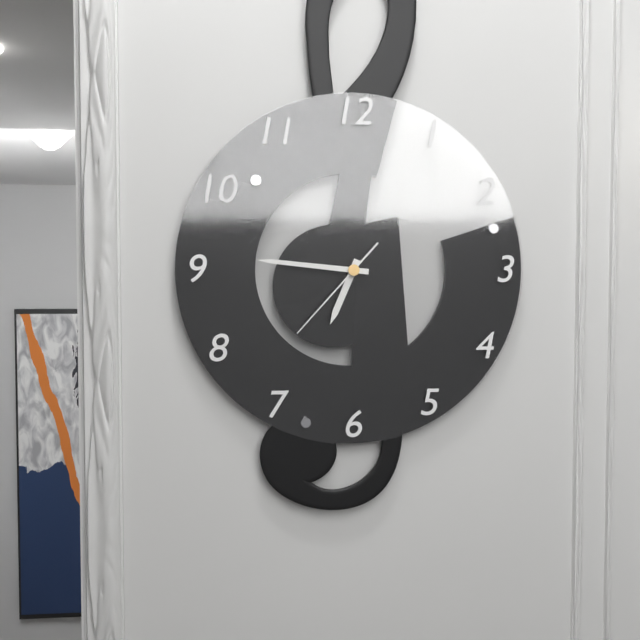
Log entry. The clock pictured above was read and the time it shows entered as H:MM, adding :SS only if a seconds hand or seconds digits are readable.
6:46:37
